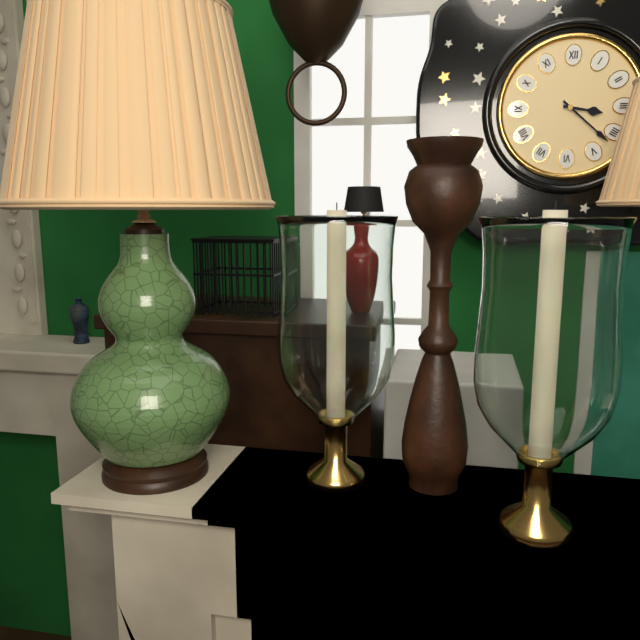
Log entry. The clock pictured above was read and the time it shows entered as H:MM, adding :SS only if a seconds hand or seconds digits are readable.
3:22
